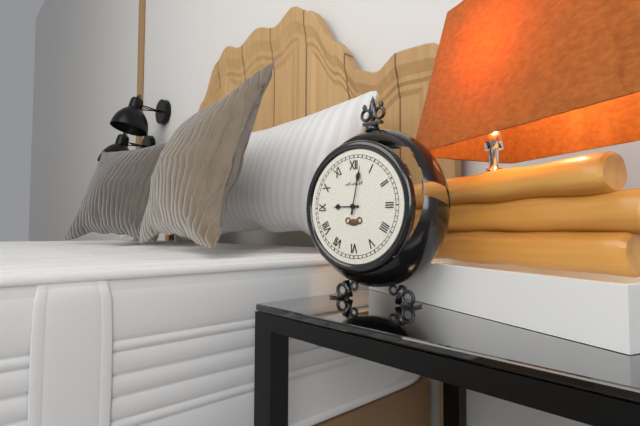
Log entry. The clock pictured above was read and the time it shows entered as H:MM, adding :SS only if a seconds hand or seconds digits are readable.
9:02
